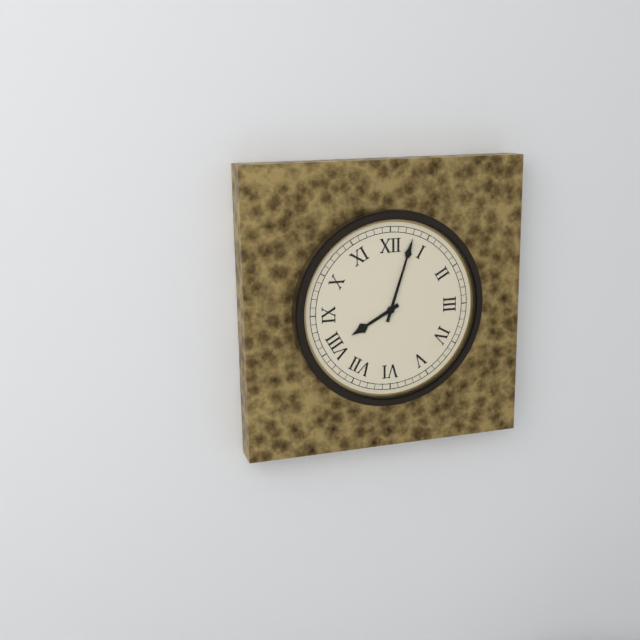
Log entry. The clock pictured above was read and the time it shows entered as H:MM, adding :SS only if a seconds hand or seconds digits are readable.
8:03
